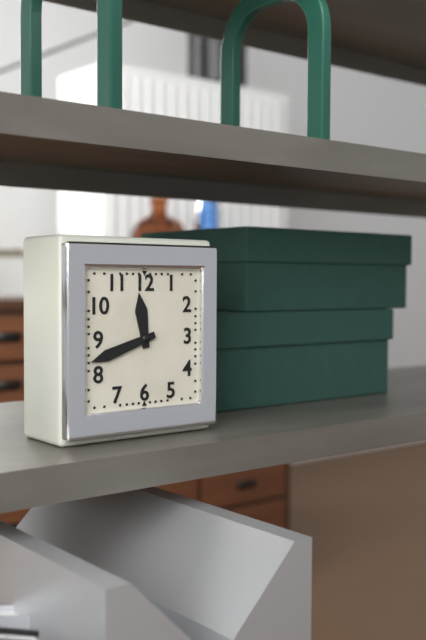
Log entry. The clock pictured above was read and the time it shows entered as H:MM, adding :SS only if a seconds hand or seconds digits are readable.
11:42
